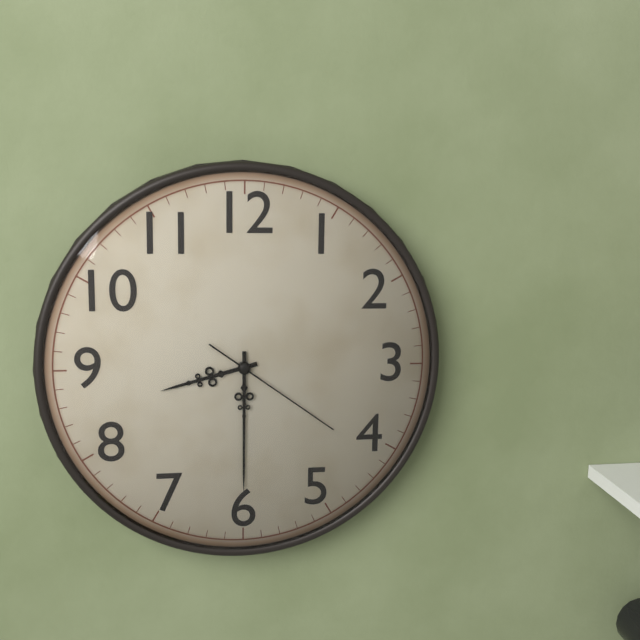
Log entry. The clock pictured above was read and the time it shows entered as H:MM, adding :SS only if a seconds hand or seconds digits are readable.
8:30:21
